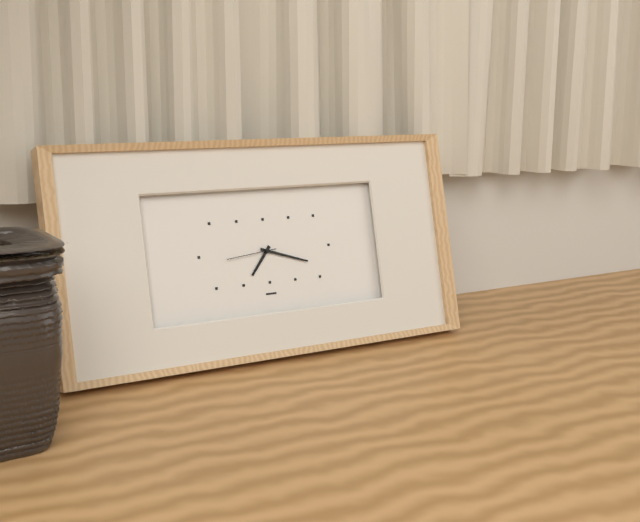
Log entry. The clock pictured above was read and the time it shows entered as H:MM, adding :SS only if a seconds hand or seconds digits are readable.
7:18:44
